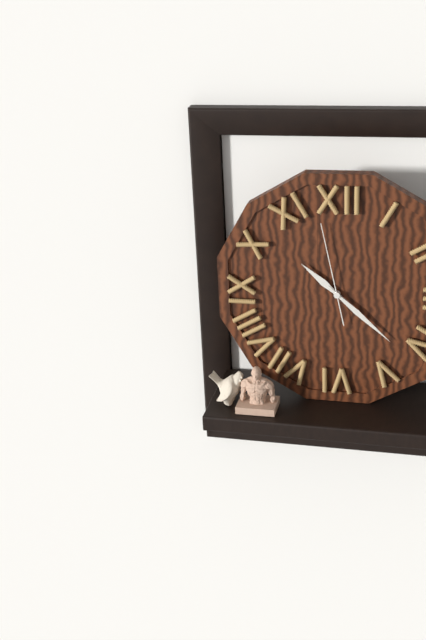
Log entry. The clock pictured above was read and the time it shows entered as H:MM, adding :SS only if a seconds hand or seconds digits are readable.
10:22:58
